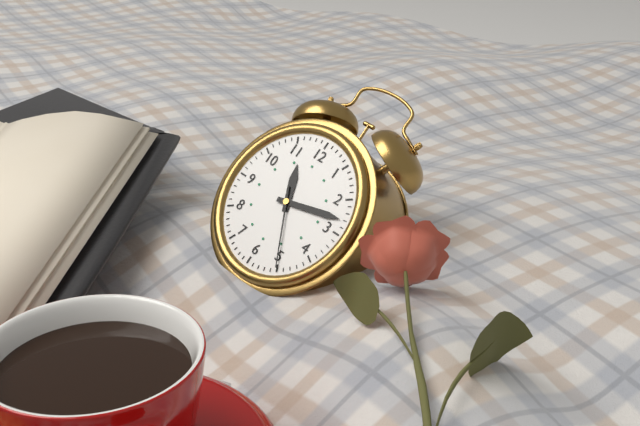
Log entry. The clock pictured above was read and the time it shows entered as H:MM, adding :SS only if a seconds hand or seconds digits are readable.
11:13:25
